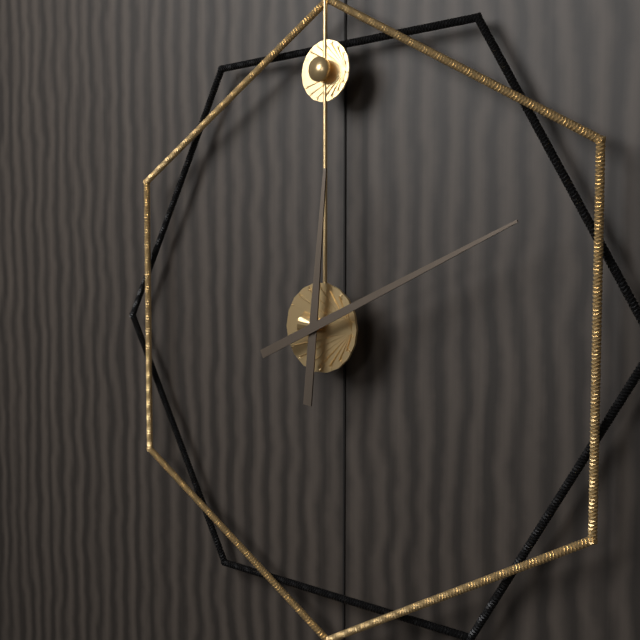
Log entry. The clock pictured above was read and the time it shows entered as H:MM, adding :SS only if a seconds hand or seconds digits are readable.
12:11
